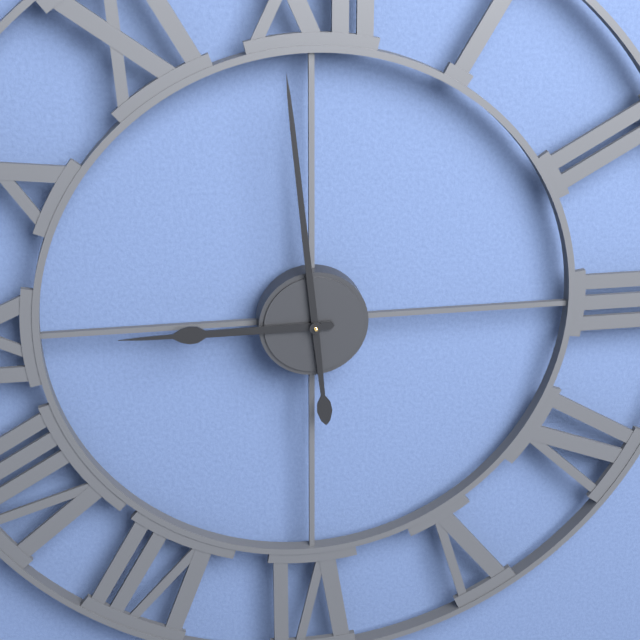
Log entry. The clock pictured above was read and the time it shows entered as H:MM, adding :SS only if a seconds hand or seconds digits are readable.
8:59
